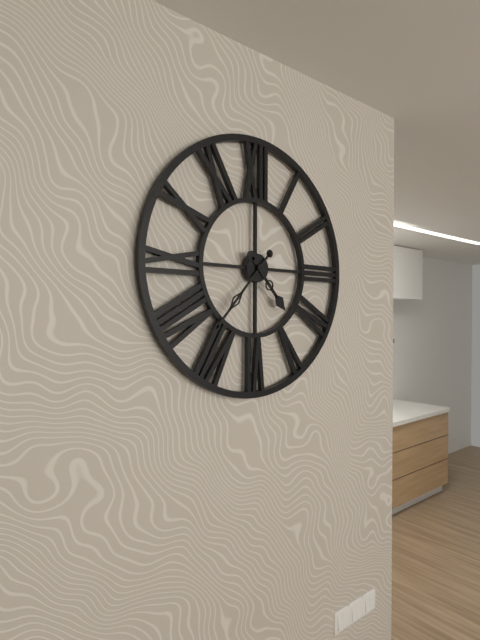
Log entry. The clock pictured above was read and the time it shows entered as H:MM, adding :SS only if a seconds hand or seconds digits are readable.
4:37
